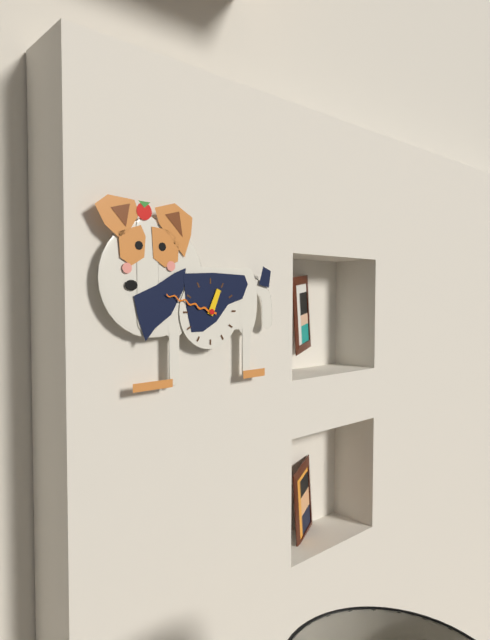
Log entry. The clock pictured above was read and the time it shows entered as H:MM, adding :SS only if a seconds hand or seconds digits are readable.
12:48
